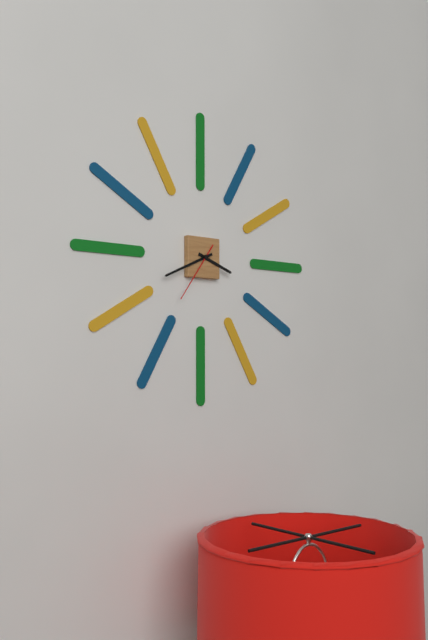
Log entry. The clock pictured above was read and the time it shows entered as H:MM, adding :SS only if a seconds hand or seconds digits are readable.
3:41:36
